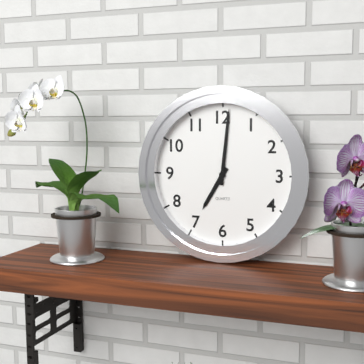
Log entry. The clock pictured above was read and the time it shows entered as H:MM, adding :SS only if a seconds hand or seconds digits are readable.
7:01
